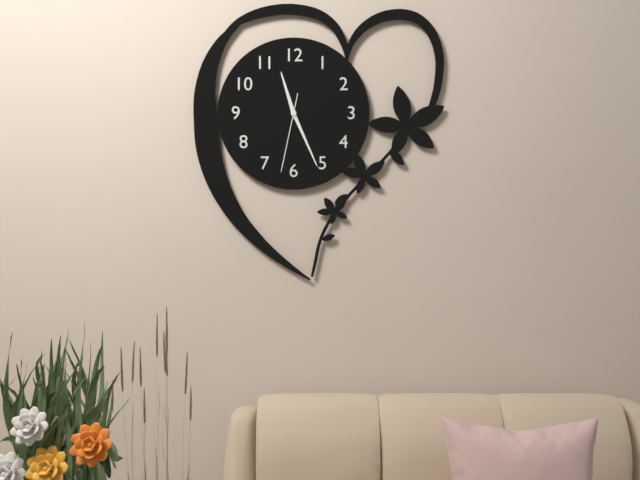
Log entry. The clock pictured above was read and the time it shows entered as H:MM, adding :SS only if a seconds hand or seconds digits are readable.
11:26:32
